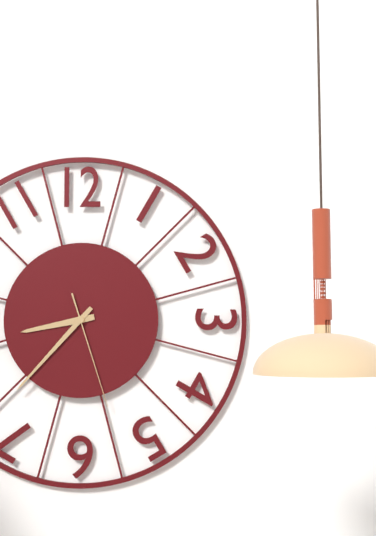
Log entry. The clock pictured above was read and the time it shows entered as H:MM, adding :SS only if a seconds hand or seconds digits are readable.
8:37:27
